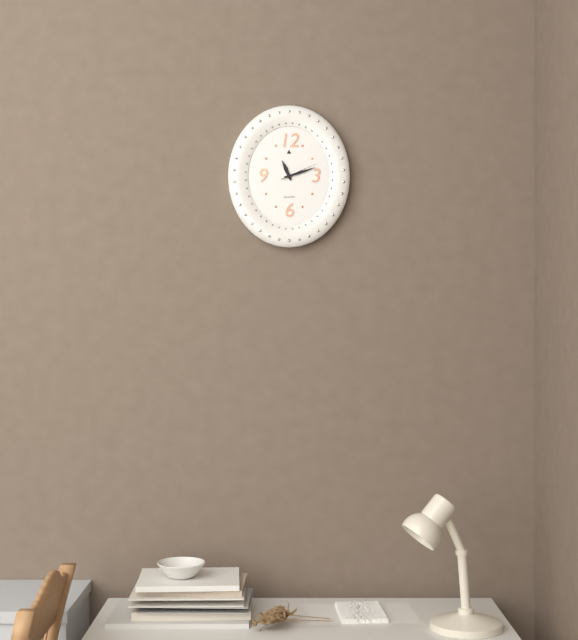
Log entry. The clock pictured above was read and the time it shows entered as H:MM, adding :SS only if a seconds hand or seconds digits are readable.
11:12
